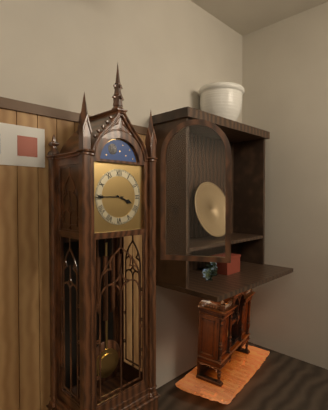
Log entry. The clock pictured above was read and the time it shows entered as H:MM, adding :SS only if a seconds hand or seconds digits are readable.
3:45
